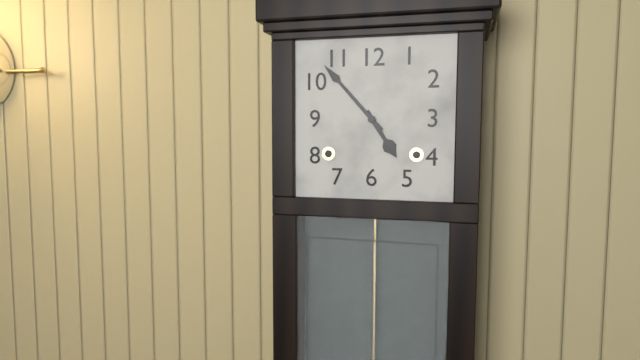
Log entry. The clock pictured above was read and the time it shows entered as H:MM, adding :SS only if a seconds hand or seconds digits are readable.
4:53
